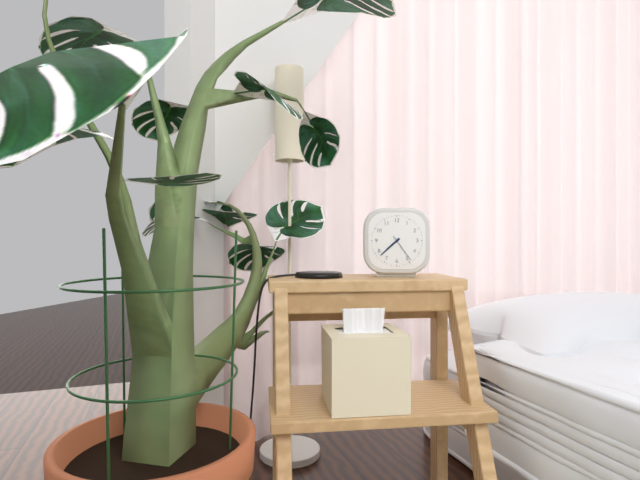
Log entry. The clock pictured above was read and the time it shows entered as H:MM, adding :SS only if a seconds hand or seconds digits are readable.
7:38
